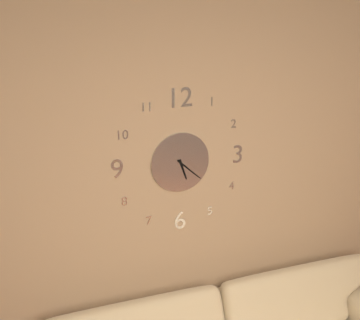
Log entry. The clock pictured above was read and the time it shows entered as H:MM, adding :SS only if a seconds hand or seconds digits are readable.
5:22
